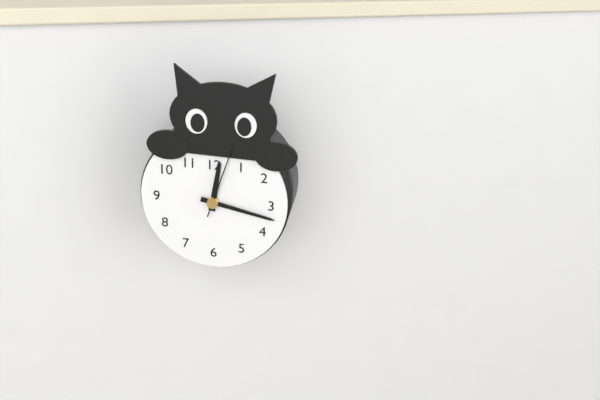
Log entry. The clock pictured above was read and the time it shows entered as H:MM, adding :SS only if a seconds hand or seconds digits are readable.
12:17:03
